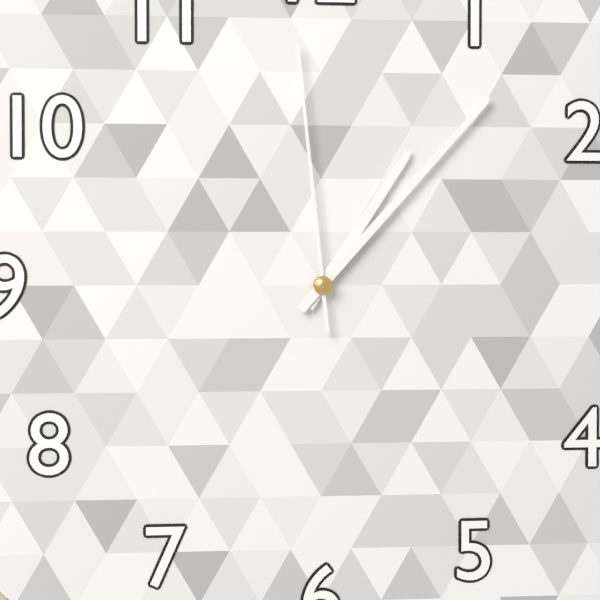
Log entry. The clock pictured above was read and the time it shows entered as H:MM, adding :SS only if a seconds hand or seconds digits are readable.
1:07:59
